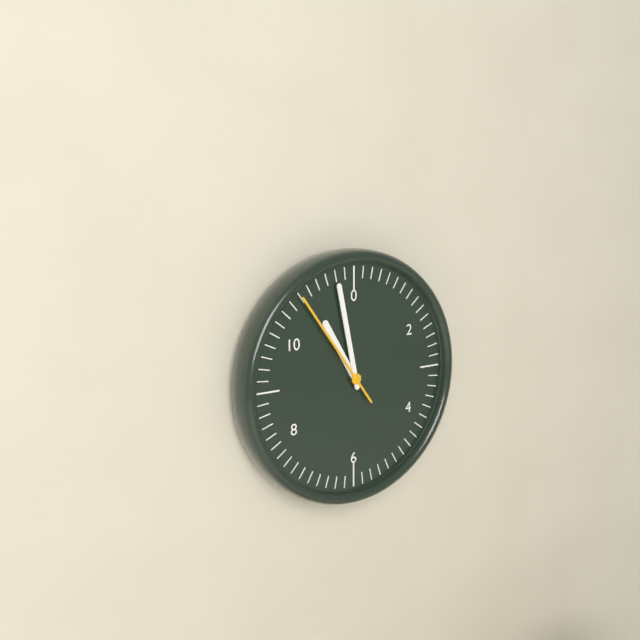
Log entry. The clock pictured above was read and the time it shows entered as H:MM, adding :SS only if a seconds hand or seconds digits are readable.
10:58:54
